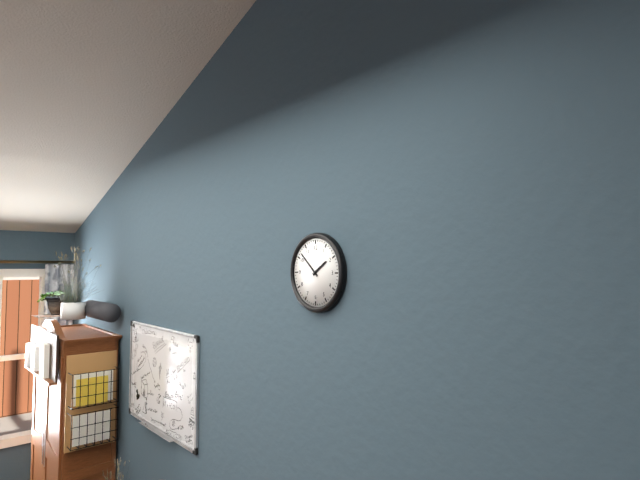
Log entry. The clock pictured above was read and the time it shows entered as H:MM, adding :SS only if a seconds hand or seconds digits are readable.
1:52
